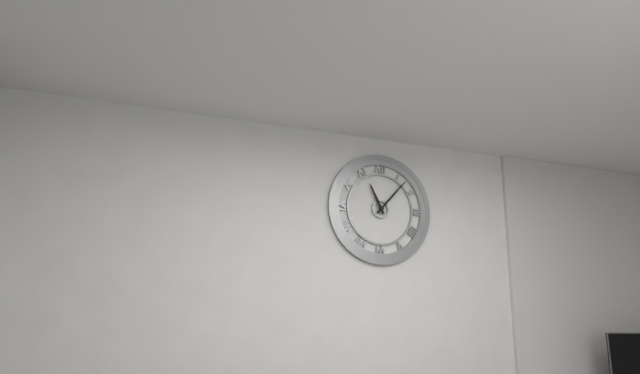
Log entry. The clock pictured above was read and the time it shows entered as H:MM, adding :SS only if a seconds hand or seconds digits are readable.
11:07
